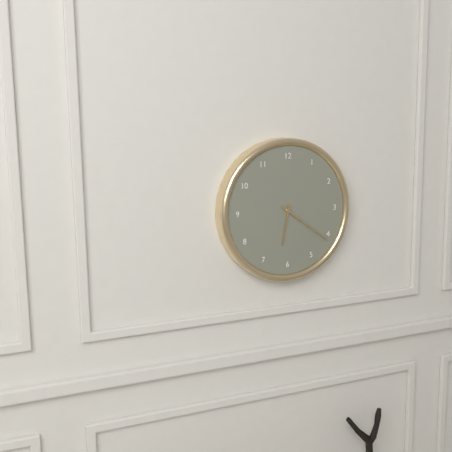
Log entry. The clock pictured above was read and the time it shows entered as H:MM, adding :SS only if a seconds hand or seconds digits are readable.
6:21
